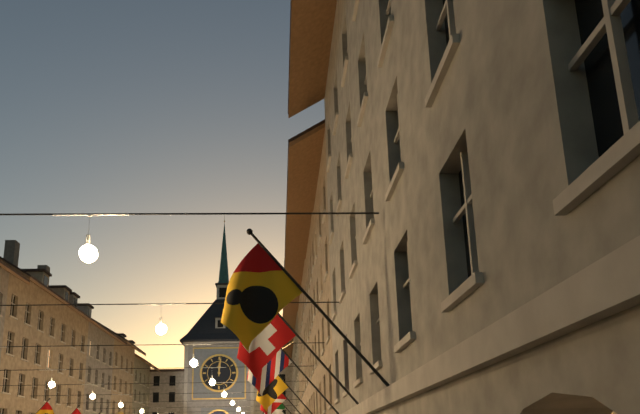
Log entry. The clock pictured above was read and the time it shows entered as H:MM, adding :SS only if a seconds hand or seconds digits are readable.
12:01
